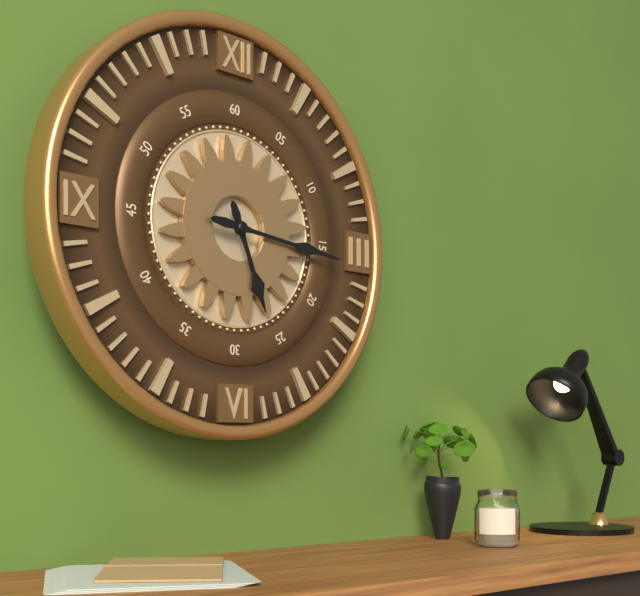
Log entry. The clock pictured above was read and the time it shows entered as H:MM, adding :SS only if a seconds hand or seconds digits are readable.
5:16
